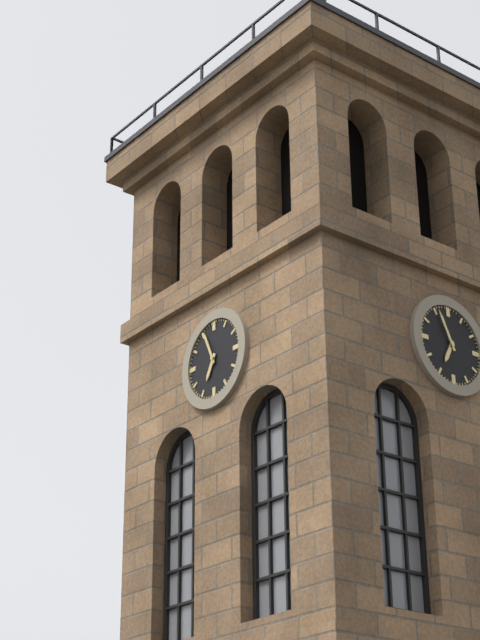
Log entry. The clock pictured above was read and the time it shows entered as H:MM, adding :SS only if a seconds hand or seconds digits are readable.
6:56
